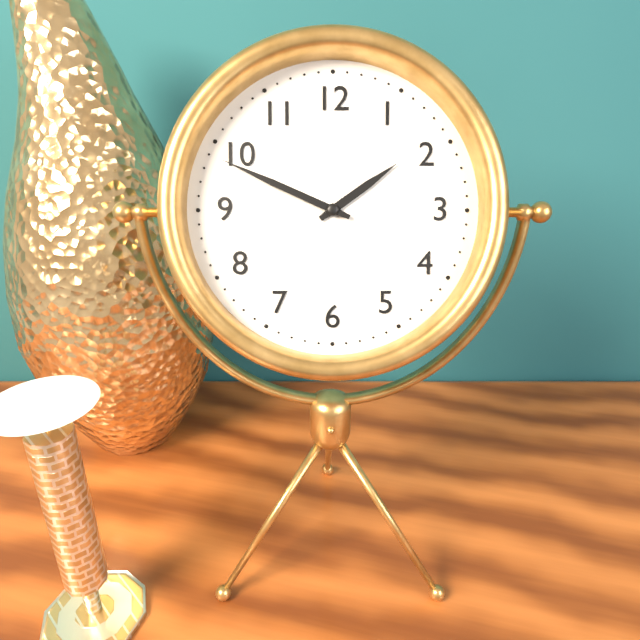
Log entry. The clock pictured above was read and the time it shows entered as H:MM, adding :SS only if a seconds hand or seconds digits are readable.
1:49
